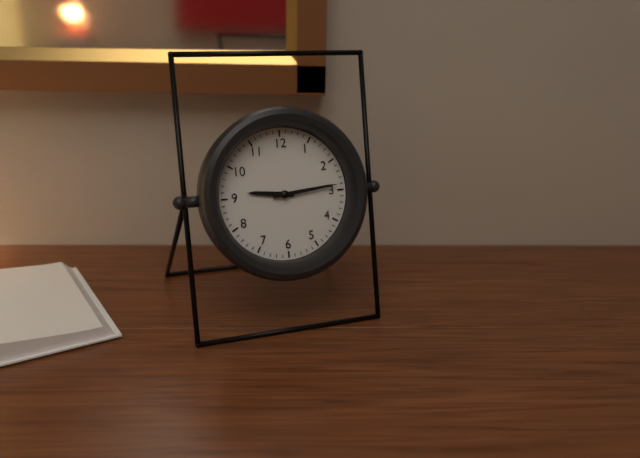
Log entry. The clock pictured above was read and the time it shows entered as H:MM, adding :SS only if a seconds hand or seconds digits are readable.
9:14
